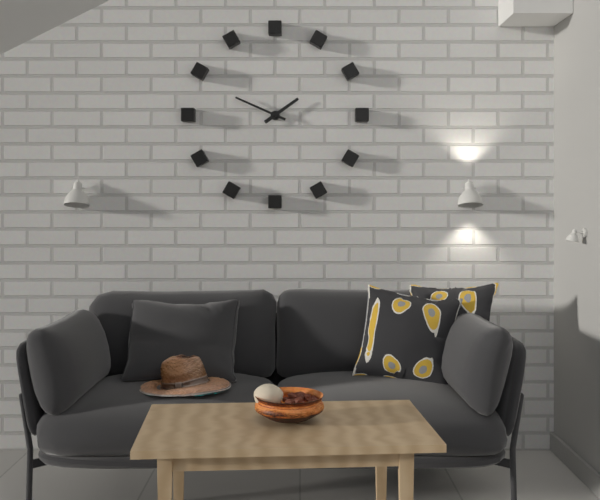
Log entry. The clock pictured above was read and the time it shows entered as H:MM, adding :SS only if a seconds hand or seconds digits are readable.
1:49
